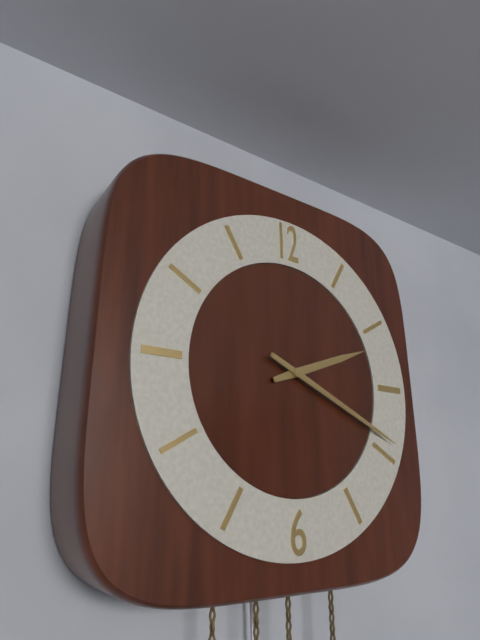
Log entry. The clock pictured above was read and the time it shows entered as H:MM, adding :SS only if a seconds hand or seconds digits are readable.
2:19
